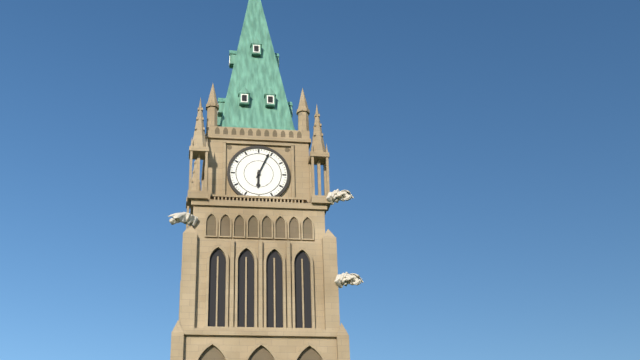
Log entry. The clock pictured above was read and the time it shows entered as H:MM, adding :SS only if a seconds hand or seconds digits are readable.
6:04
